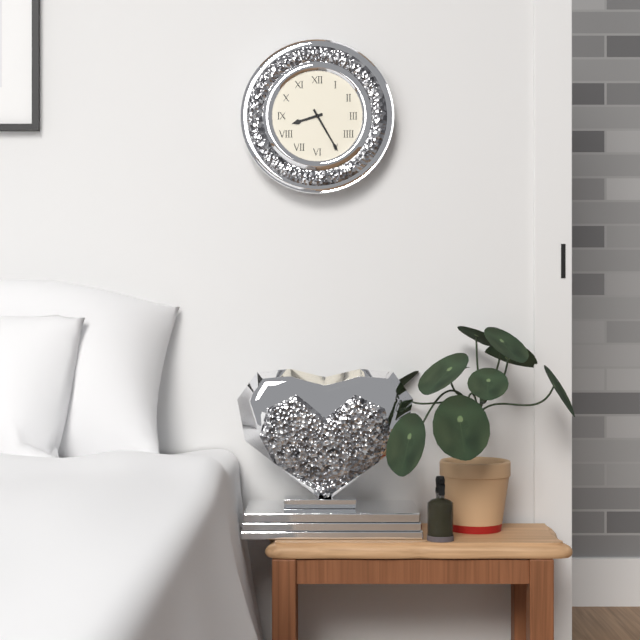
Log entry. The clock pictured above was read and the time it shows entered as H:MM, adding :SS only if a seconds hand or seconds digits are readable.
8:25
